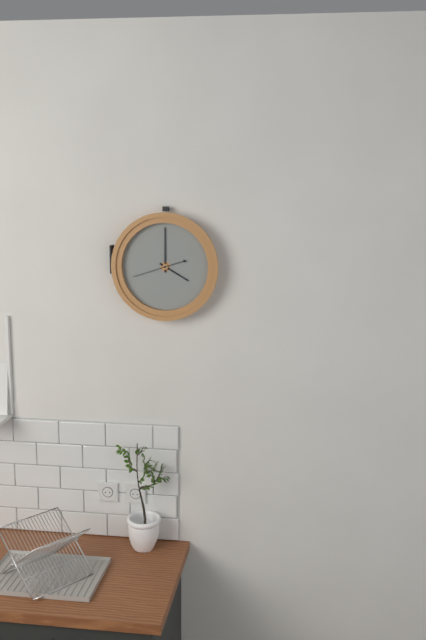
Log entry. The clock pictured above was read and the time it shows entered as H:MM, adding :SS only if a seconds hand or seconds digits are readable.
4:00
